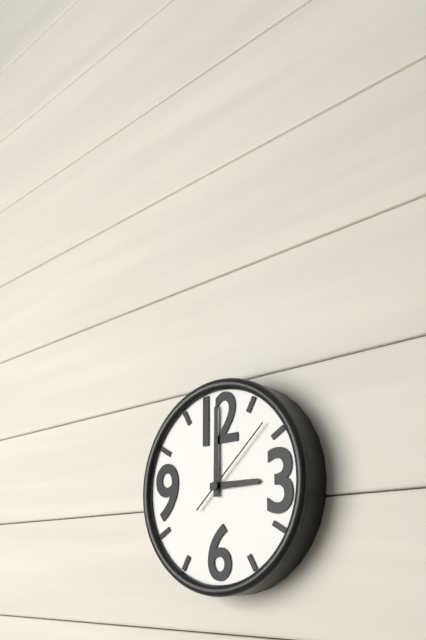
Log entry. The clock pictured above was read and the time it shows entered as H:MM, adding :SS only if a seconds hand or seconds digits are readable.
3:00:08
